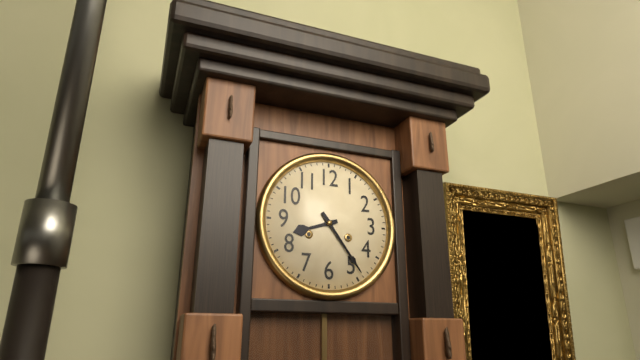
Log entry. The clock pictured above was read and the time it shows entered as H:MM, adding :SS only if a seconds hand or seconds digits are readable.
8:24
